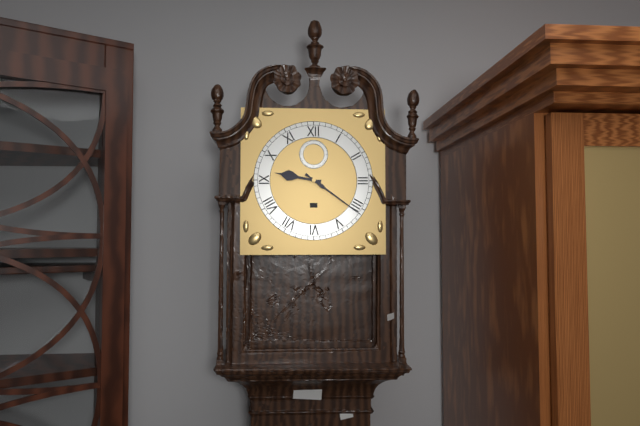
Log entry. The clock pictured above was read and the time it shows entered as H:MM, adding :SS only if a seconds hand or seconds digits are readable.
9:21
